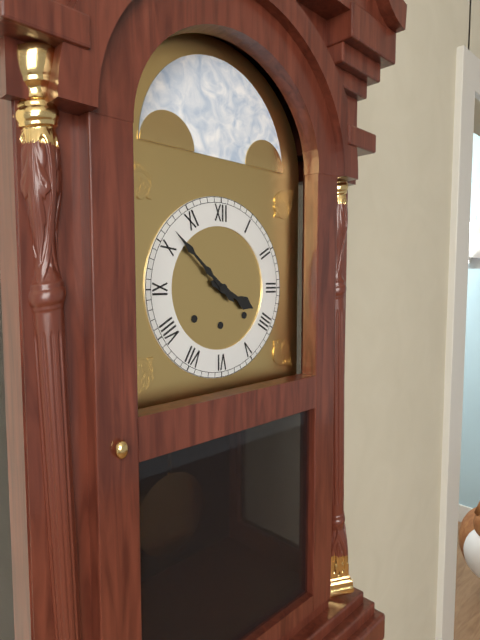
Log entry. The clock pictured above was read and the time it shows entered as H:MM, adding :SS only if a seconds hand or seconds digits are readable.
3:52
